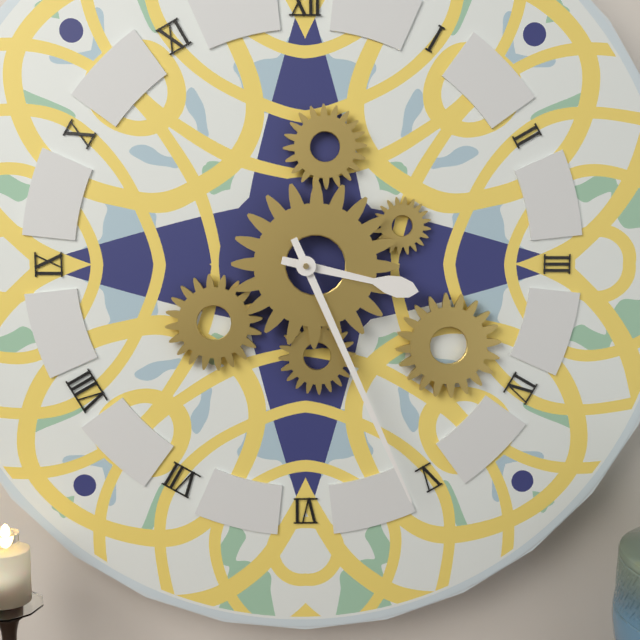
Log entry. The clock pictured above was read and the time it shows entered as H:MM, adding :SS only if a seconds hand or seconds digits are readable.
3:26
